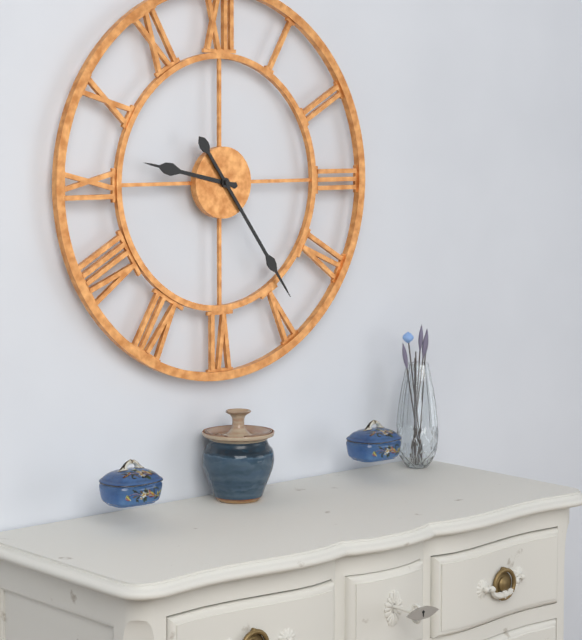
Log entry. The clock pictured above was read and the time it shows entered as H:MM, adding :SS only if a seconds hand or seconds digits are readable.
9:24
